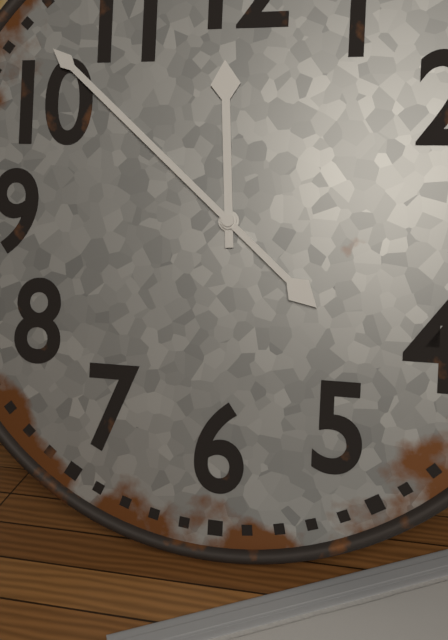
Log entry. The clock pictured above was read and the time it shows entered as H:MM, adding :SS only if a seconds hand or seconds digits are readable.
11:52
